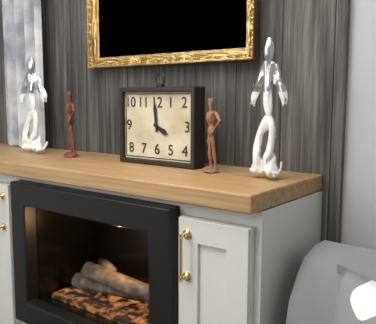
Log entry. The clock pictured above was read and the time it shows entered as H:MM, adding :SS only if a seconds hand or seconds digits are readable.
3:59
